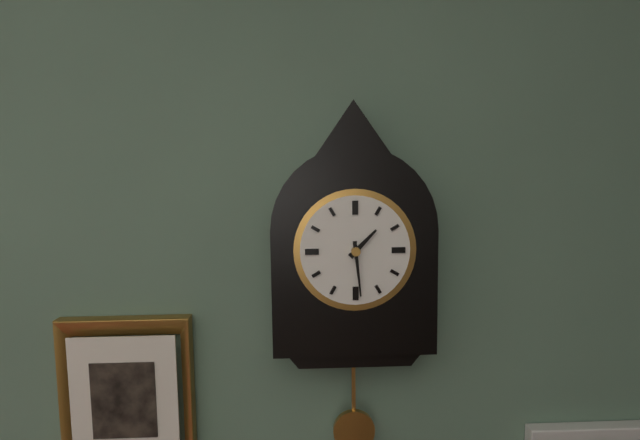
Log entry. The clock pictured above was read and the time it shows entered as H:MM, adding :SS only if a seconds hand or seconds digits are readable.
1:29
